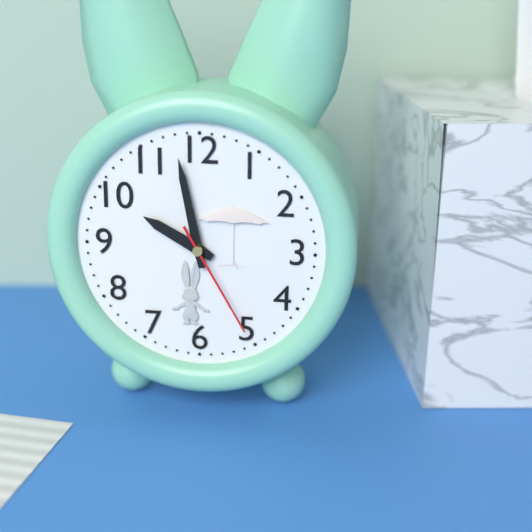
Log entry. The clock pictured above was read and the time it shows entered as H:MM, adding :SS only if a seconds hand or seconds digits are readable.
9:58:25
